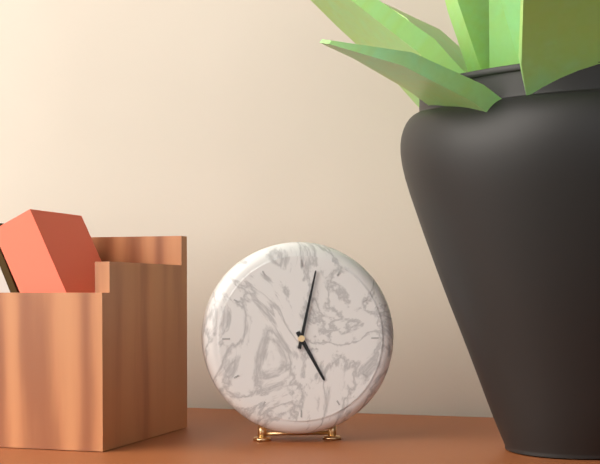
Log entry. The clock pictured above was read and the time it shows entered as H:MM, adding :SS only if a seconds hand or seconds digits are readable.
5:02
